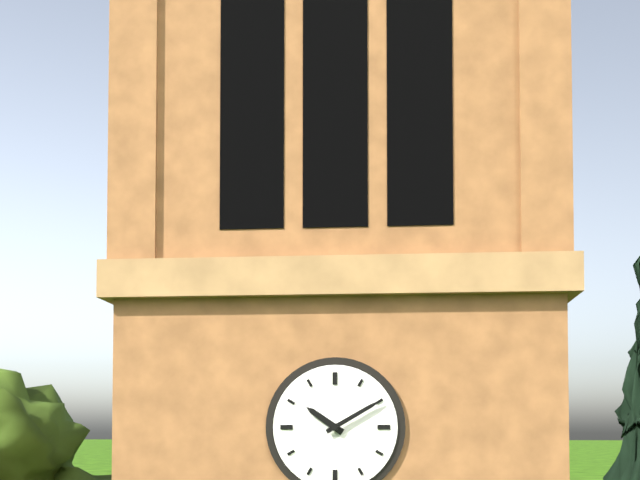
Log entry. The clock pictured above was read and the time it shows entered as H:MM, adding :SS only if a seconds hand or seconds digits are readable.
10:10
